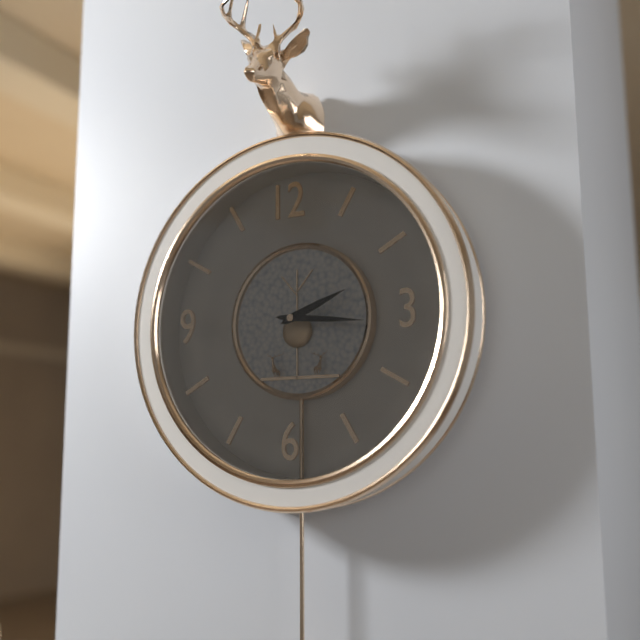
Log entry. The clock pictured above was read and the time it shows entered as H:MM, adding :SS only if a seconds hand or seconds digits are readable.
2:16
